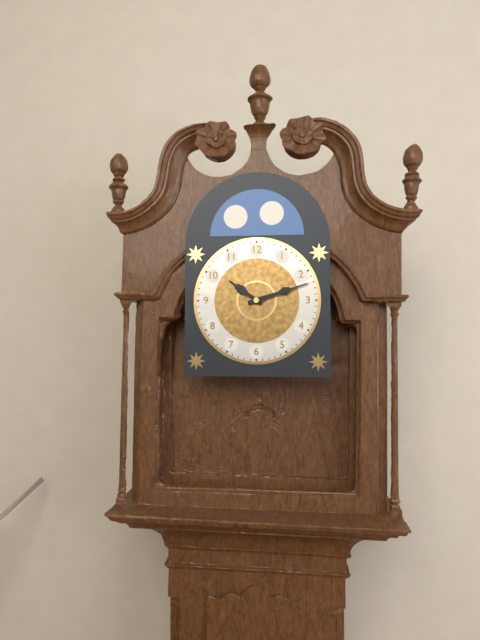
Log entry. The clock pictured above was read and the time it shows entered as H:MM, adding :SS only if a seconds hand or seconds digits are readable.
10:12
